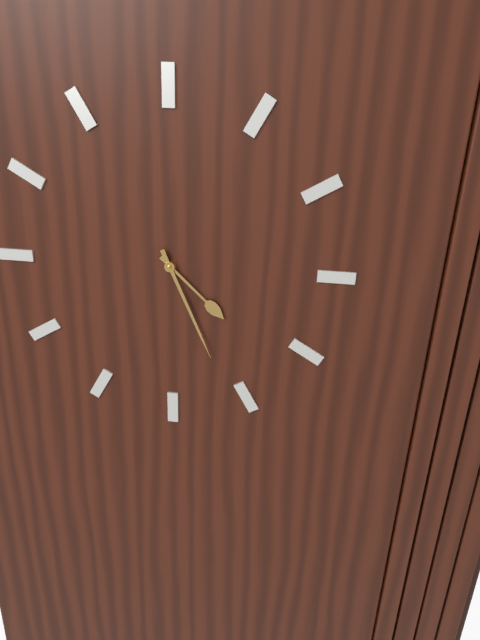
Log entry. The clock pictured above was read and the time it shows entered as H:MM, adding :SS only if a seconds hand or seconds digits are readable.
4:26
